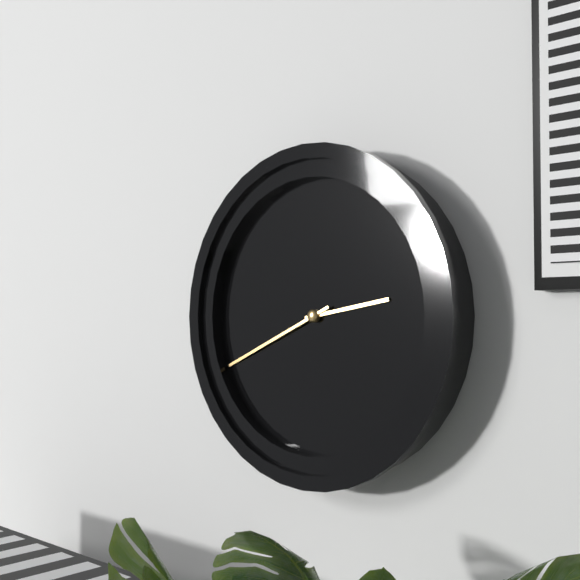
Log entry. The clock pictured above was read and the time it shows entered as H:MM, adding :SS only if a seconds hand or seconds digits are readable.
2:41
